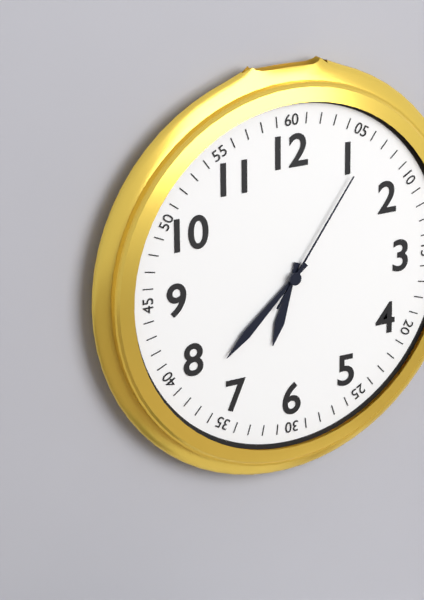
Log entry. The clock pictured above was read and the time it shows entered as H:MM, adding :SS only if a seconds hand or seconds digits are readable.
6:38:06
